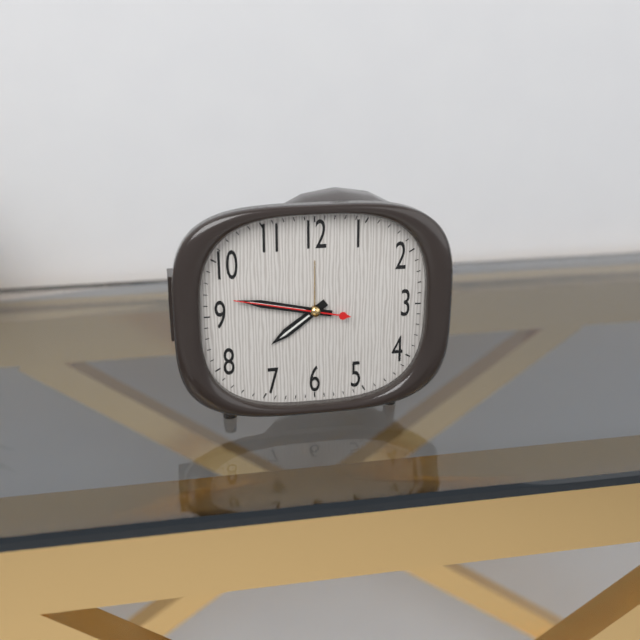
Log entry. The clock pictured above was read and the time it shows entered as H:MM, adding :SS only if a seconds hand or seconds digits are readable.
7:47:47
